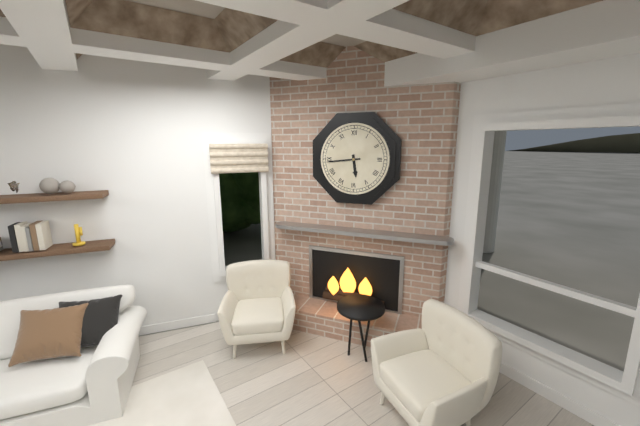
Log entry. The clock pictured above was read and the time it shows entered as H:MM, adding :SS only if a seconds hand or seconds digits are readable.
5:44
